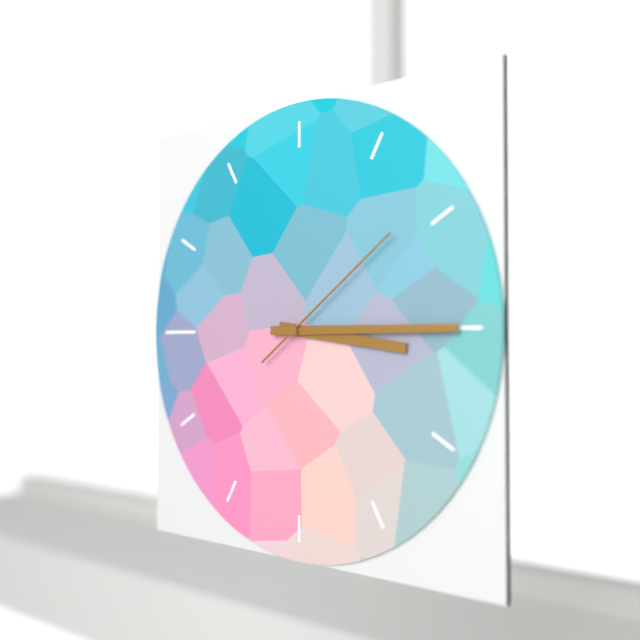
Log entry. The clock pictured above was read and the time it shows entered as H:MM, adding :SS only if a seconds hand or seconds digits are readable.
3:15:09
